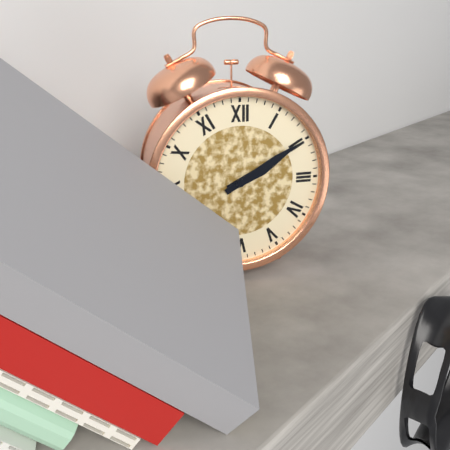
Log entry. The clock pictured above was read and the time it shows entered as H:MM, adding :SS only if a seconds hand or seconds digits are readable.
2:10
